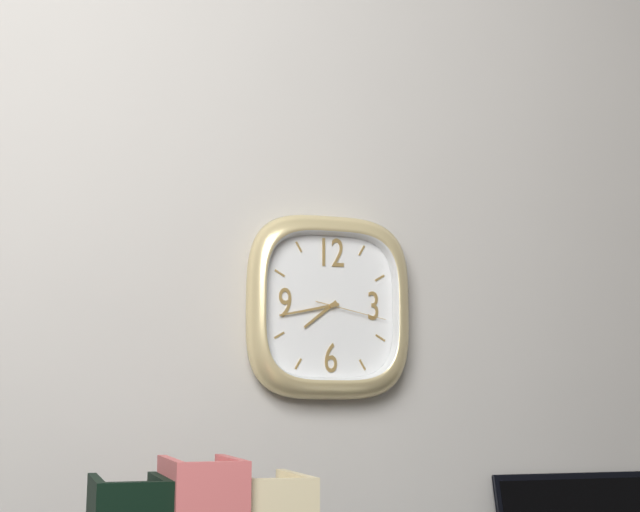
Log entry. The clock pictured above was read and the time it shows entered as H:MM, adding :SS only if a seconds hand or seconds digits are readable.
7:43:17
